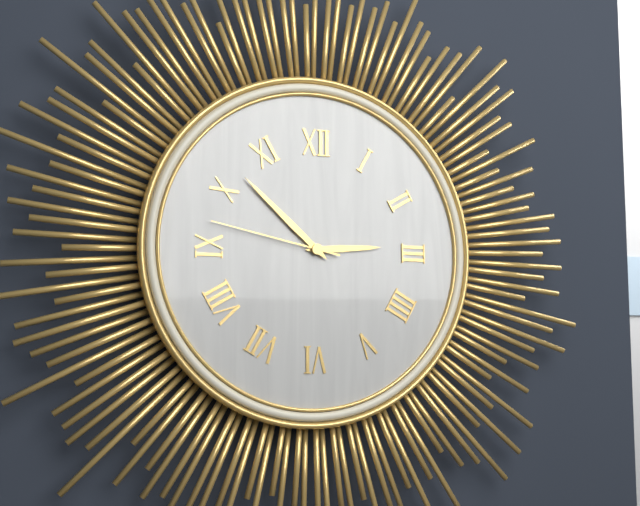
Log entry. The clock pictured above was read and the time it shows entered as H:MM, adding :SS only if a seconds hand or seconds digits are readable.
2:52:47
